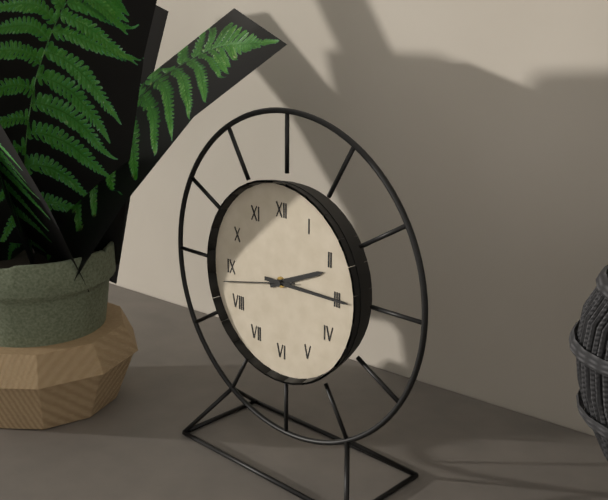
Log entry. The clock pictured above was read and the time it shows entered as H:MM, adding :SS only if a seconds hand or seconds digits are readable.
2:15:43
